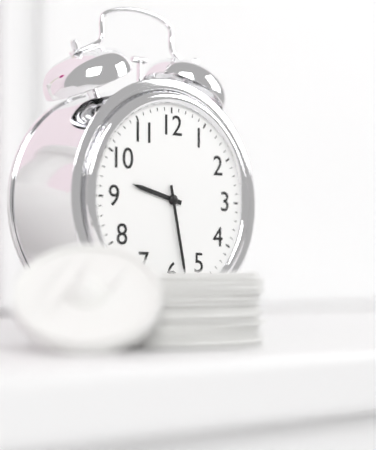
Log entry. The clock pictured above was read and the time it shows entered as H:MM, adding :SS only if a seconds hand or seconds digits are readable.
9:28
